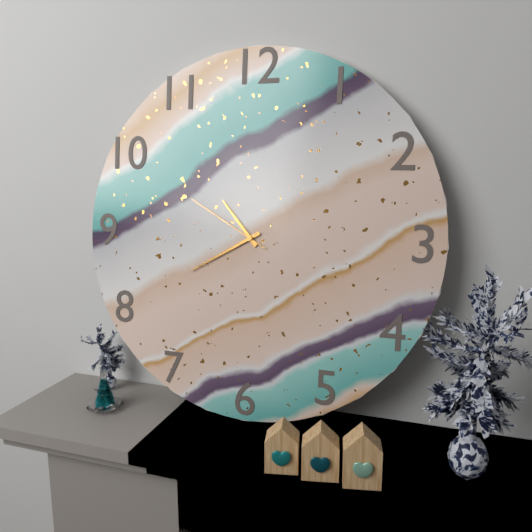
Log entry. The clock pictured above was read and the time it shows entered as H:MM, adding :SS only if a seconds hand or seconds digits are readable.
10:40:50
